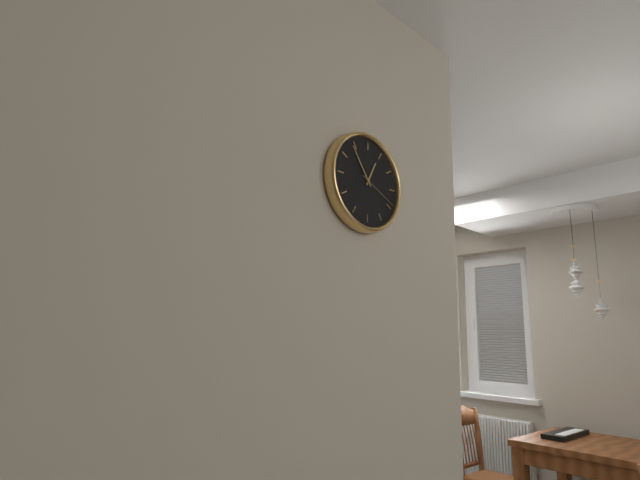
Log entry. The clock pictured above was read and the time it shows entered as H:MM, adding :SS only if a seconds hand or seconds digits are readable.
12:54
